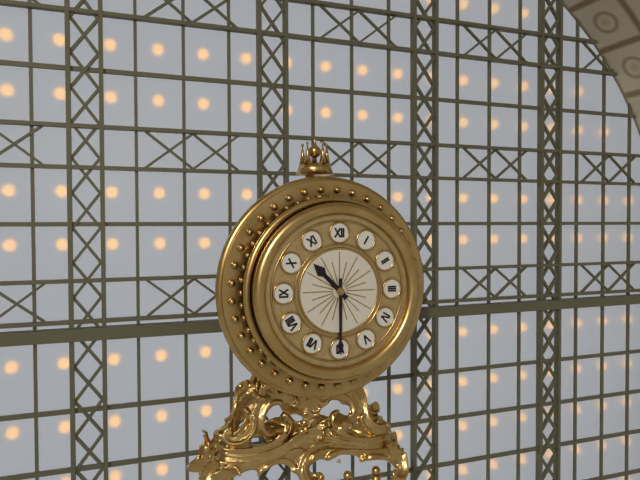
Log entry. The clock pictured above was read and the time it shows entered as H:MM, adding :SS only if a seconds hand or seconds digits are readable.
10:30
